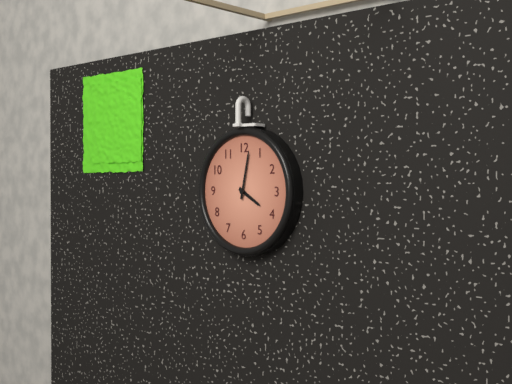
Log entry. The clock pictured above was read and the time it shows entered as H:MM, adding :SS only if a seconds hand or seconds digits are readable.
4:02
